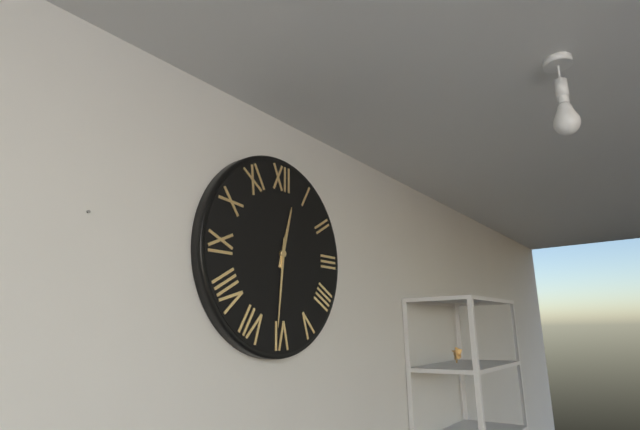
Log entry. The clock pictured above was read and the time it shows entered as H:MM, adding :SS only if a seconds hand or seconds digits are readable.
12:31
